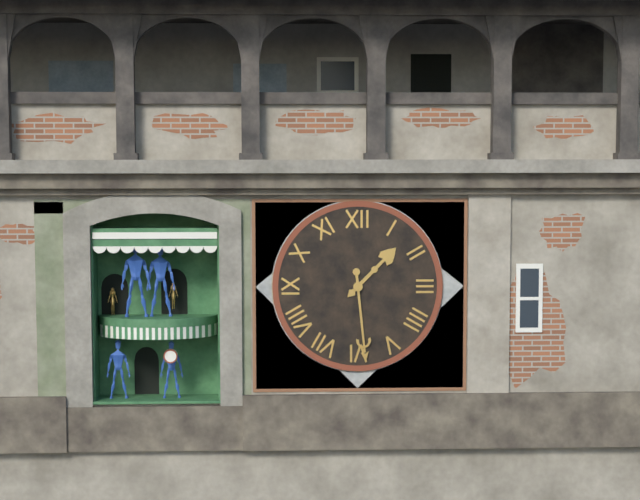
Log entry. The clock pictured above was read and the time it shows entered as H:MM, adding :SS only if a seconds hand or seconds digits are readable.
1:29
